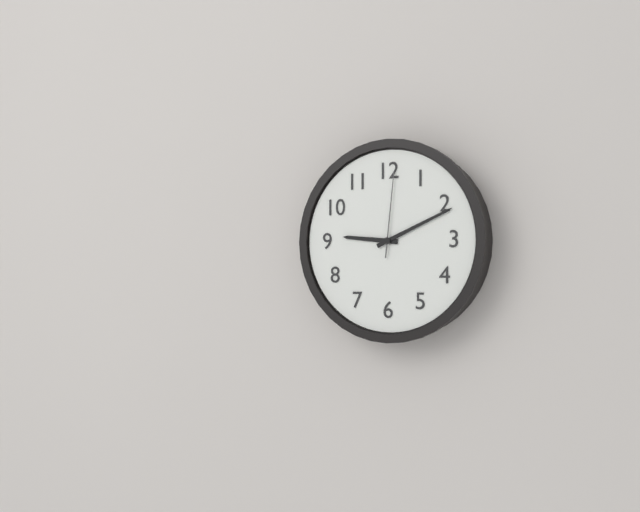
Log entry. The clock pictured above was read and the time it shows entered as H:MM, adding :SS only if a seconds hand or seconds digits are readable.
9:11:01
